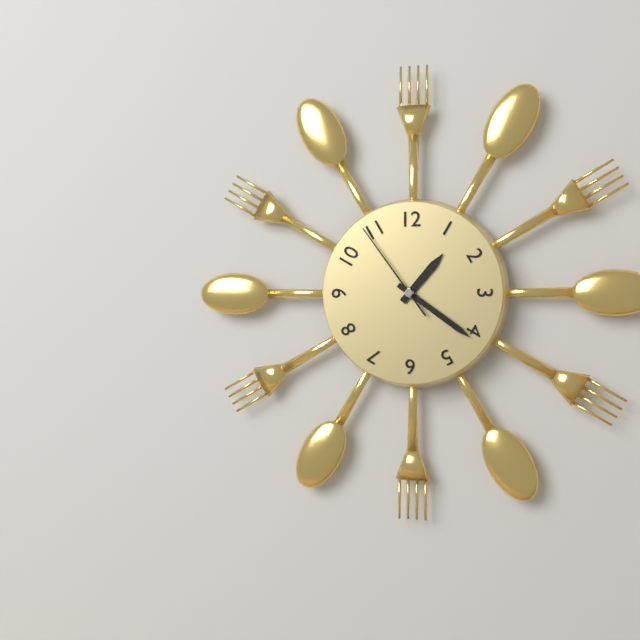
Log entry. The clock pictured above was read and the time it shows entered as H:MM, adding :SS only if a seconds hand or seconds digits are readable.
1:21:54
